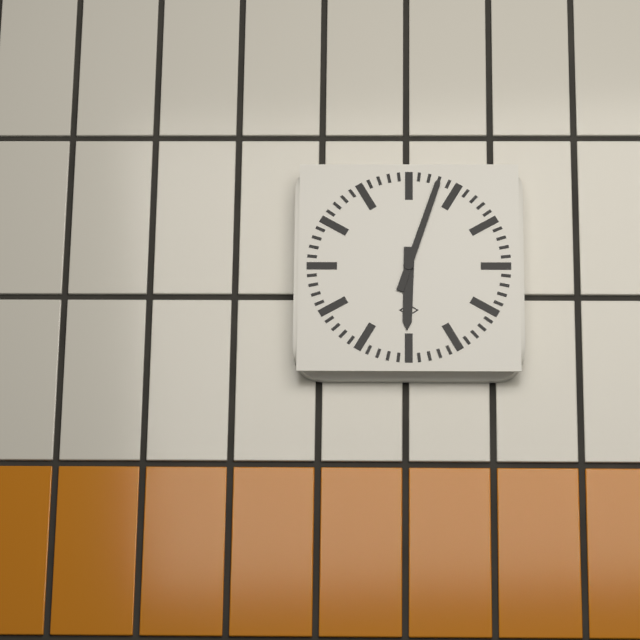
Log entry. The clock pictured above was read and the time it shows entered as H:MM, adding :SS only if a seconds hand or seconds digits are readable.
6:03
